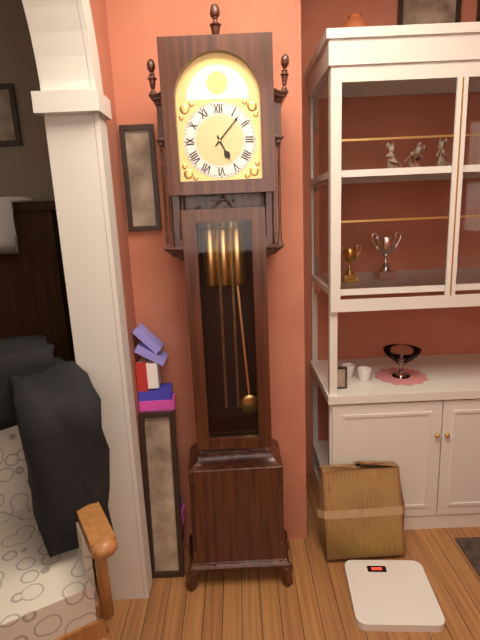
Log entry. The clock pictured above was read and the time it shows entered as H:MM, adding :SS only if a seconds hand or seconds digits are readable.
5:07
